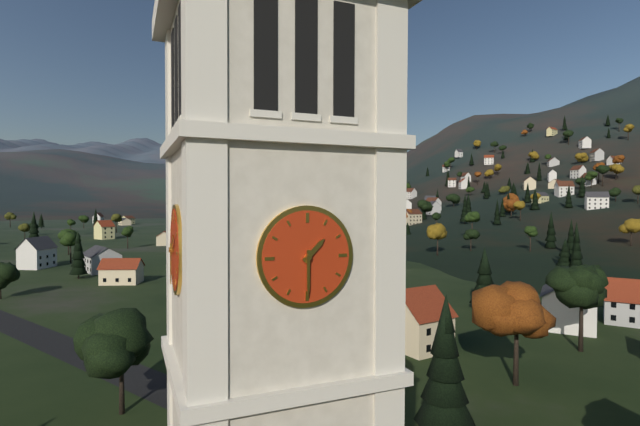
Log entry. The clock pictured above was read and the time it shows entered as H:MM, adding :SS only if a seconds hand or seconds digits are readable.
1:30
